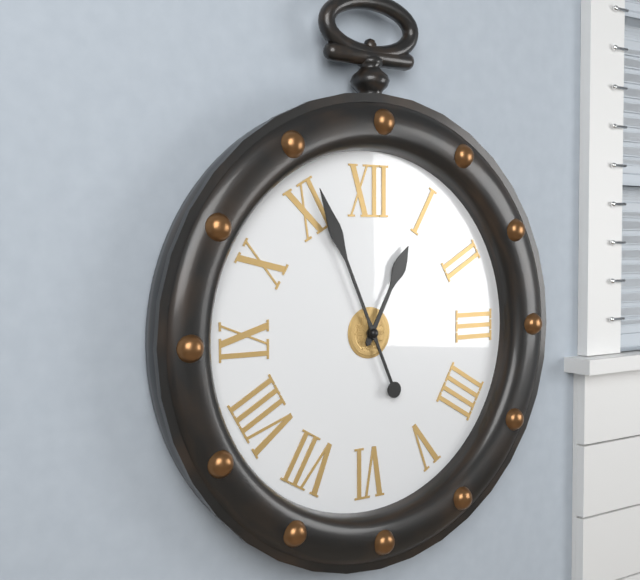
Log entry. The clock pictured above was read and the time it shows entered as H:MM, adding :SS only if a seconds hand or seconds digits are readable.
12:56
